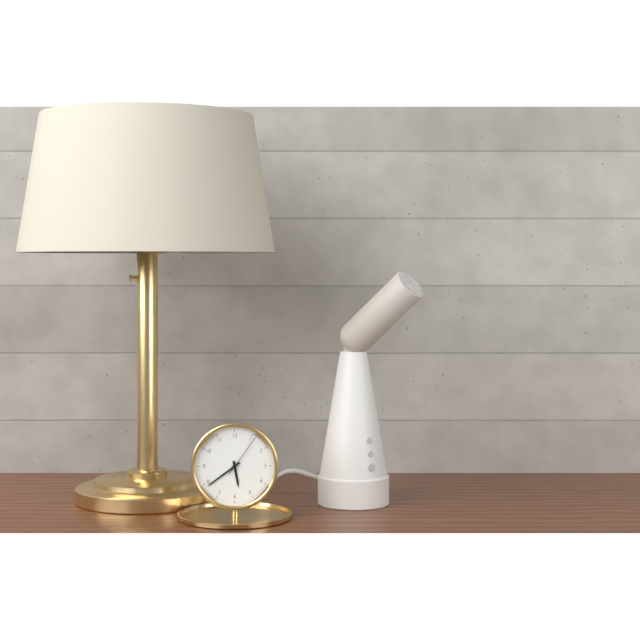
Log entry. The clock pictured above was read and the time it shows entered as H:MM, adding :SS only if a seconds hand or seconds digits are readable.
5:39
